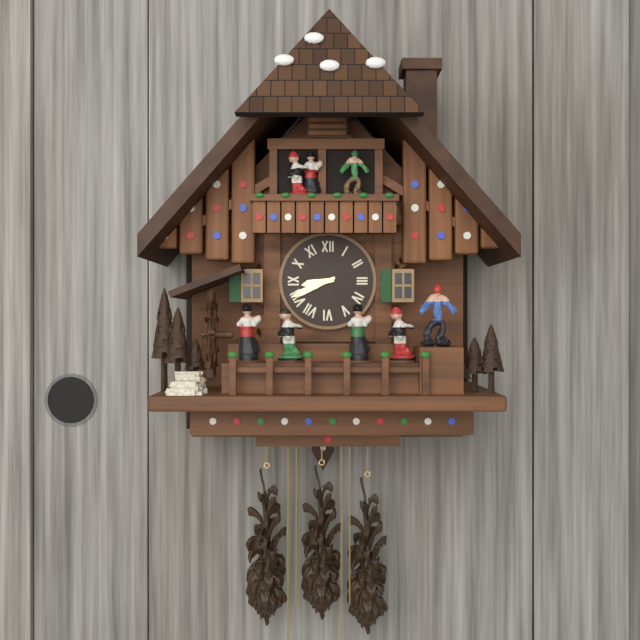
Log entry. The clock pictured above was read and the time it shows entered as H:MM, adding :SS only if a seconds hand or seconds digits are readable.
8:41
